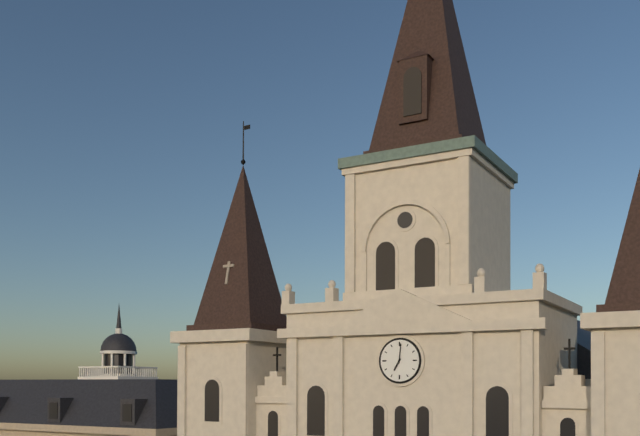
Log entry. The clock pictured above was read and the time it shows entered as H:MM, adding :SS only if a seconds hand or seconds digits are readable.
7:01
